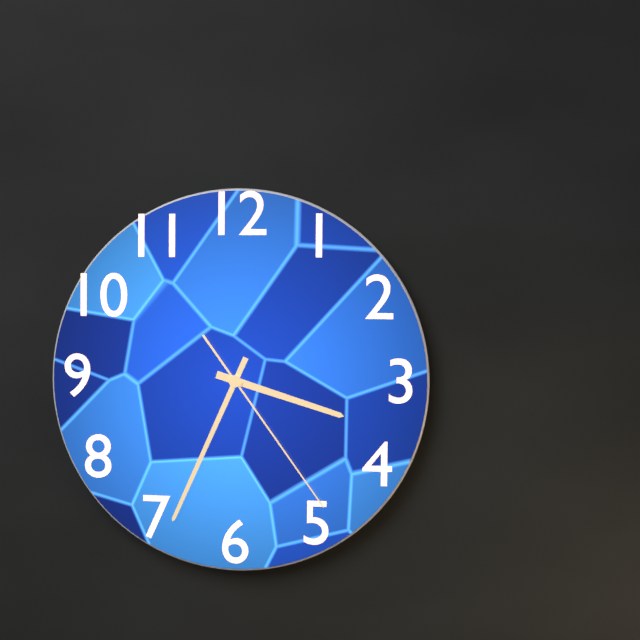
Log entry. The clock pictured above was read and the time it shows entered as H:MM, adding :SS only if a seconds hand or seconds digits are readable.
3:34:24
